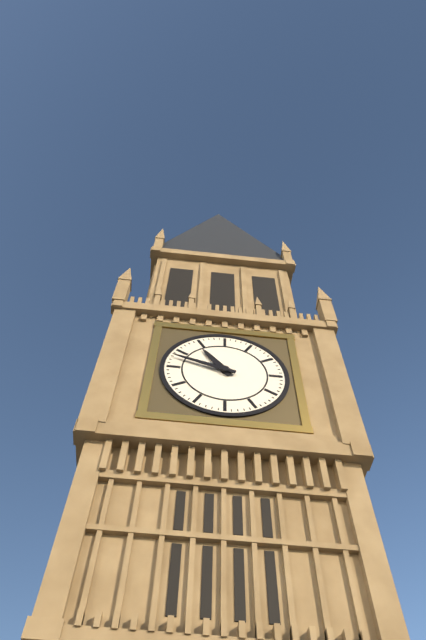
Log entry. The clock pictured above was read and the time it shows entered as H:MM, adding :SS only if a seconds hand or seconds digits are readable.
10:48
